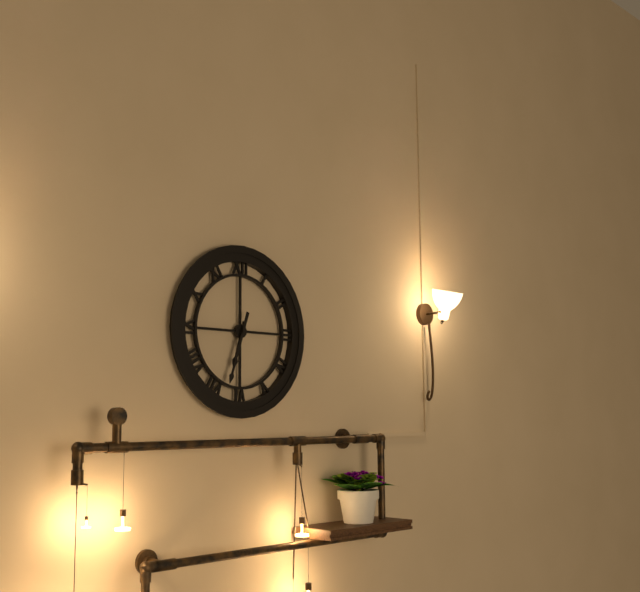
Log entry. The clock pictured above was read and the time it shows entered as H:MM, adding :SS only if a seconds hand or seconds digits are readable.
6:33
